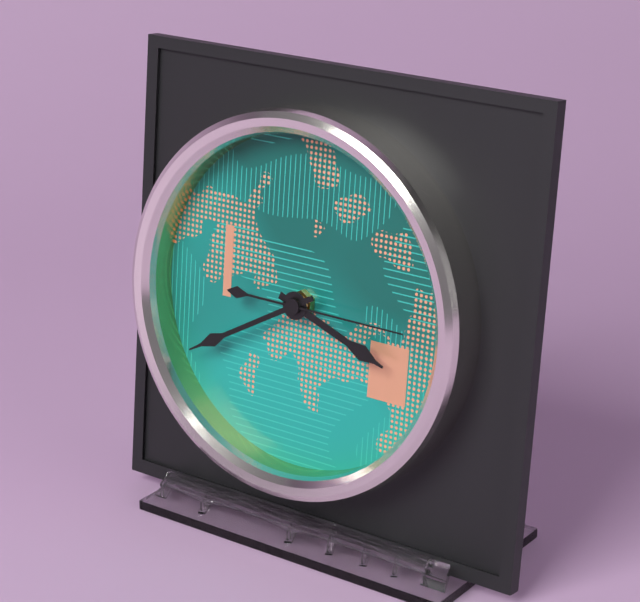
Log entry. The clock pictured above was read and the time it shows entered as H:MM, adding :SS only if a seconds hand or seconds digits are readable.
3:40:15
